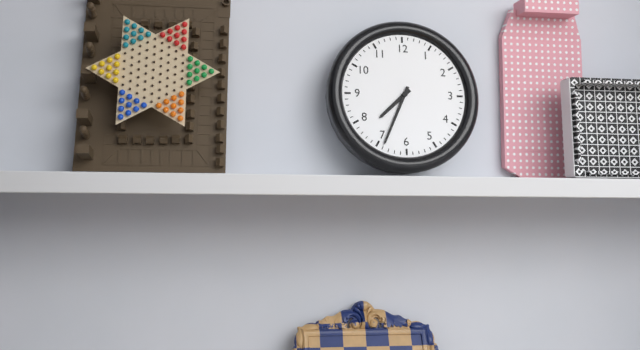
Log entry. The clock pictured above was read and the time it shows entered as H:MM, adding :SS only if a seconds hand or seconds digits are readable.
7:34
